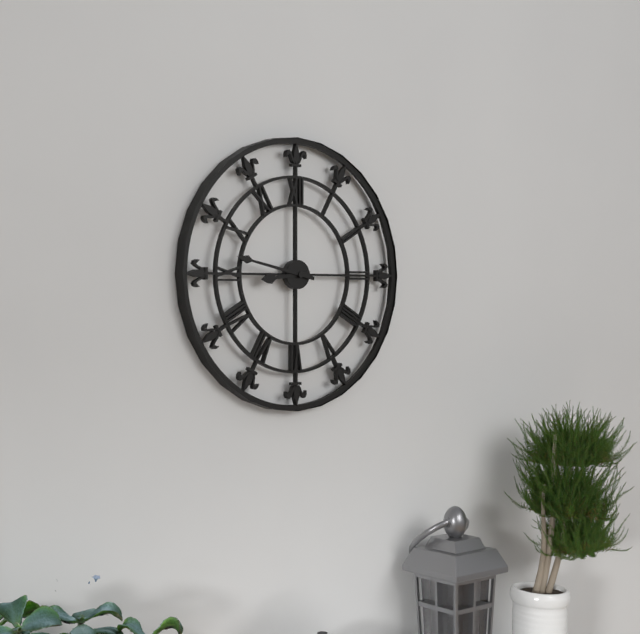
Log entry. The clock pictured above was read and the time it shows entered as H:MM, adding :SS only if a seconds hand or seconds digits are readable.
8:47
